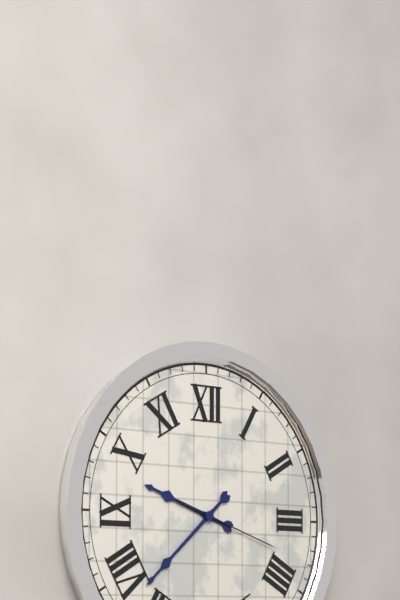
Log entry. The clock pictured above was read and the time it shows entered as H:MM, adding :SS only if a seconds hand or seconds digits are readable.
9:38:18
